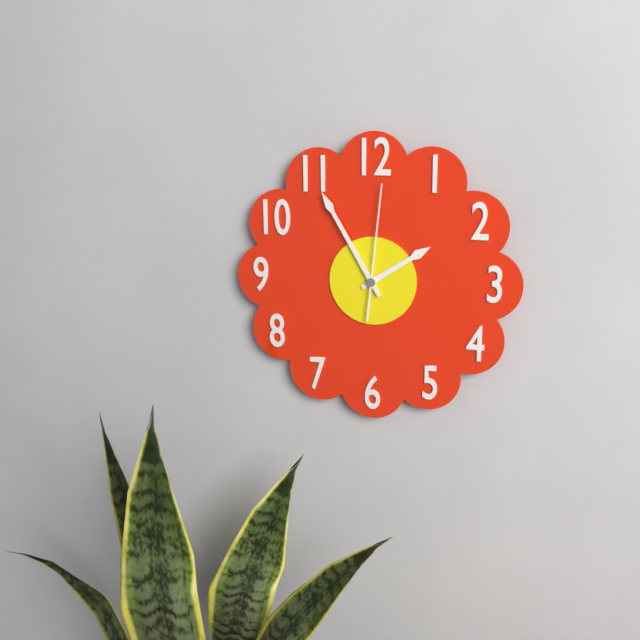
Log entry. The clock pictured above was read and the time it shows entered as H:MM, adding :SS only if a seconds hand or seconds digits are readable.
1:55:01
